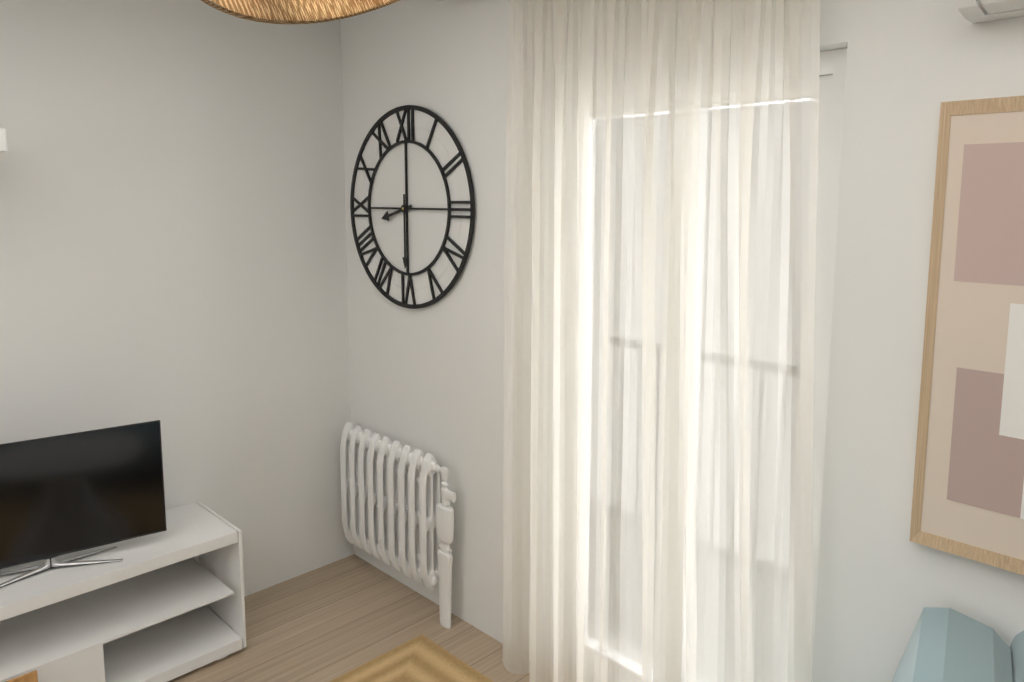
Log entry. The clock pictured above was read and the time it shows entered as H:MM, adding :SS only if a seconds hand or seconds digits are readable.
8:30
